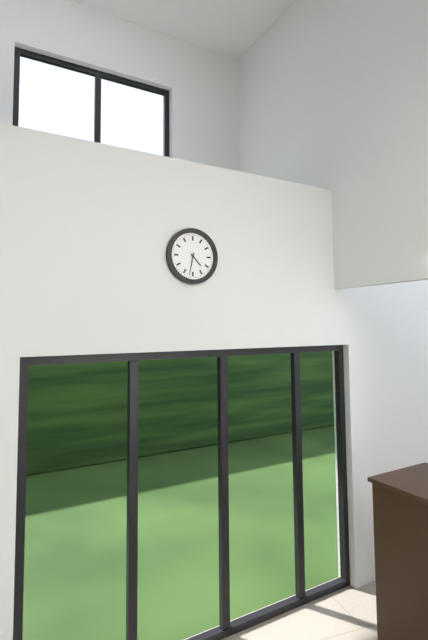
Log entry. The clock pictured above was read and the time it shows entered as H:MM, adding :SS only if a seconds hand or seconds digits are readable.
4:32
